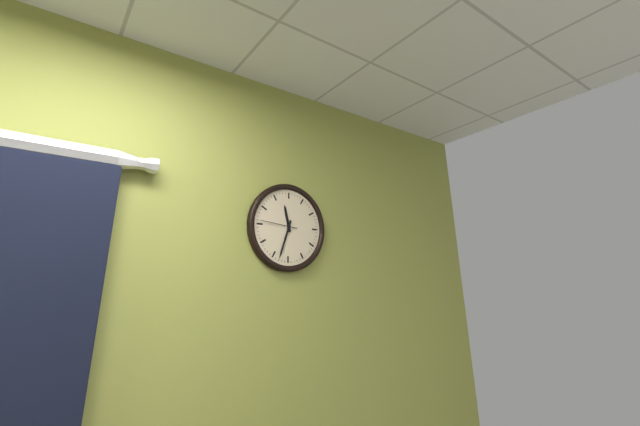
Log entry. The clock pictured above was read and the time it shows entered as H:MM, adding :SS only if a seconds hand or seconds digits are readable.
11:33
